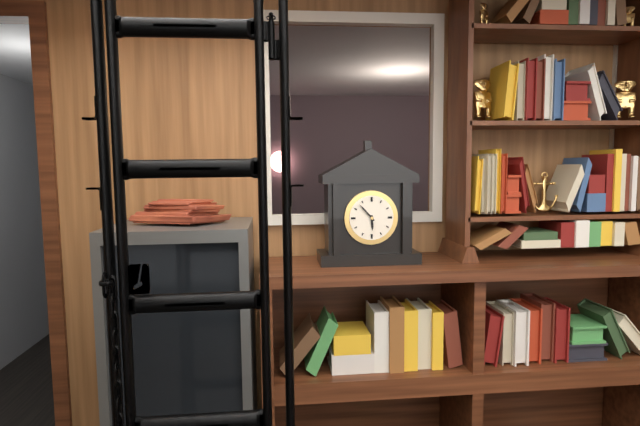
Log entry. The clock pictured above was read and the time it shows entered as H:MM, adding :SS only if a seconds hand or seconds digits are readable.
5:53
